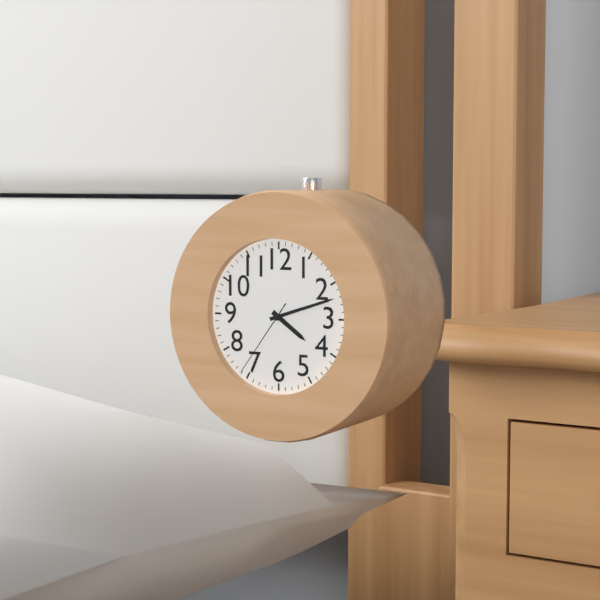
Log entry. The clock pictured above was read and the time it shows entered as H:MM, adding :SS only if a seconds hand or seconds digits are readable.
4:12:36
